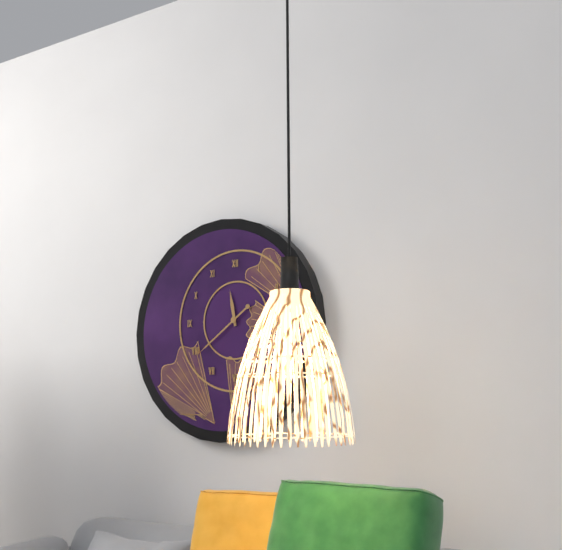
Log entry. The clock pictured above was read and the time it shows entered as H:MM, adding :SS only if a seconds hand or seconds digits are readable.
11:39
